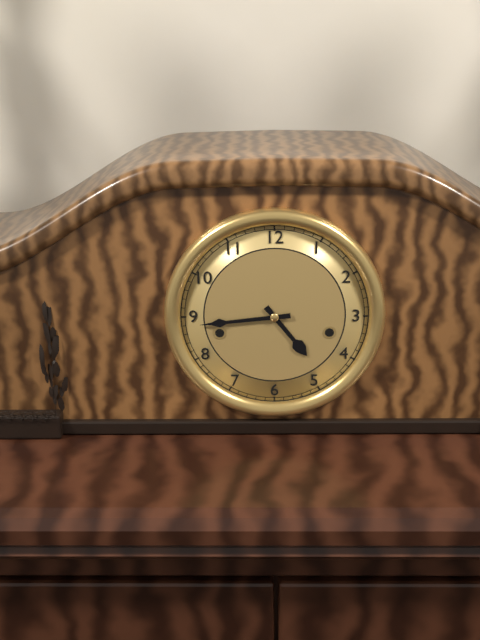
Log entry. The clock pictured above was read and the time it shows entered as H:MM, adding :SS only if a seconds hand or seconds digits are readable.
4:44
